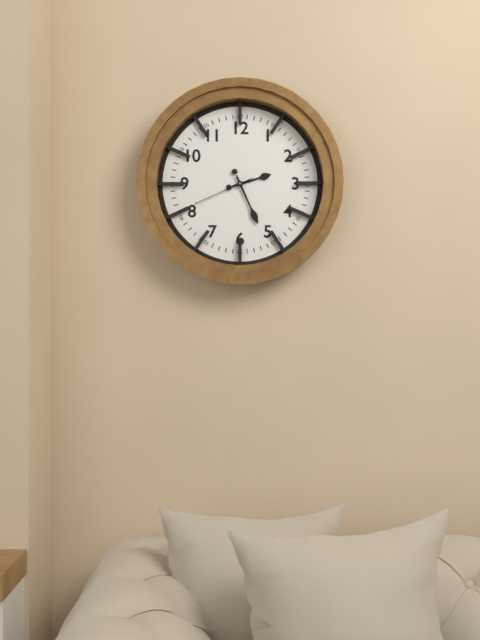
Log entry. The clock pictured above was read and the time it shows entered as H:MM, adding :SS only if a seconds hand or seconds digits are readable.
2:26:41
